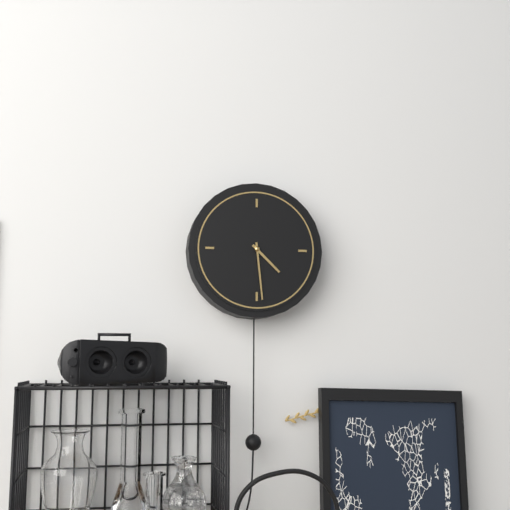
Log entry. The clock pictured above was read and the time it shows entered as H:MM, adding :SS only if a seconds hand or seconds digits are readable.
4:29
